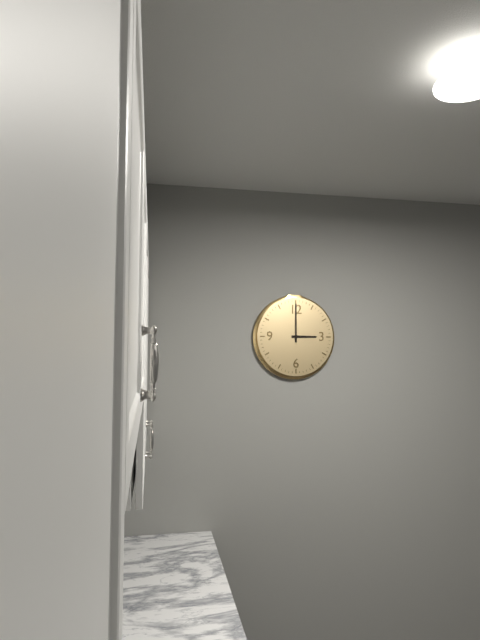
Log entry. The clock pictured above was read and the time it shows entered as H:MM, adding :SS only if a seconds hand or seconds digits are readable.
3:00
